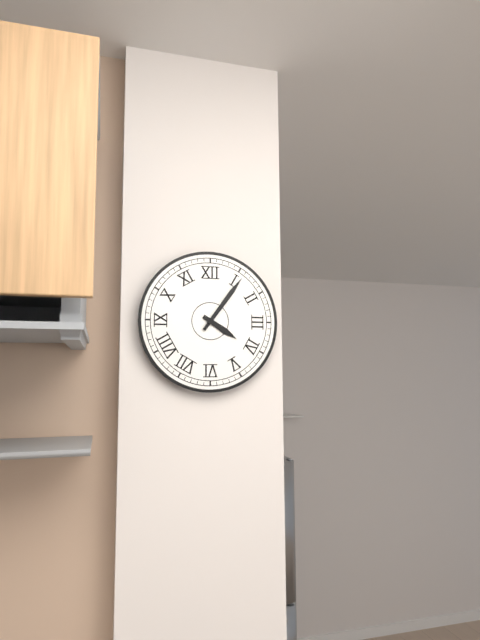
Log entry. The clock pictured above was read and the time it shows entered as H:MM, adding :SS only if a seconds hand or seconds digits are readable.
4:06
